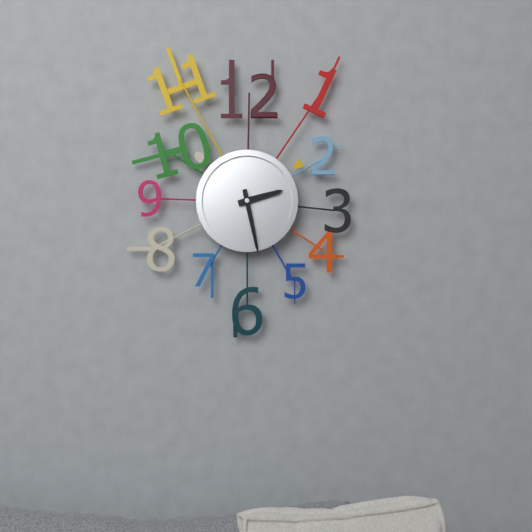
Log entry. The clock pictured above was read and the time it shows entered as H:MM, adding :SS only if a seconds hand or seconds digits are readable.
2:28
